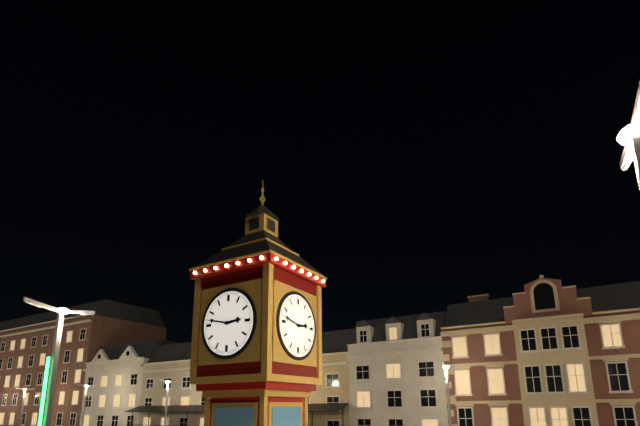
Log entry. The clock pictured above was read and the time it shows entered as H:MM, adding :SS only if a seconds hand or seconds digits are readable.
2:47
